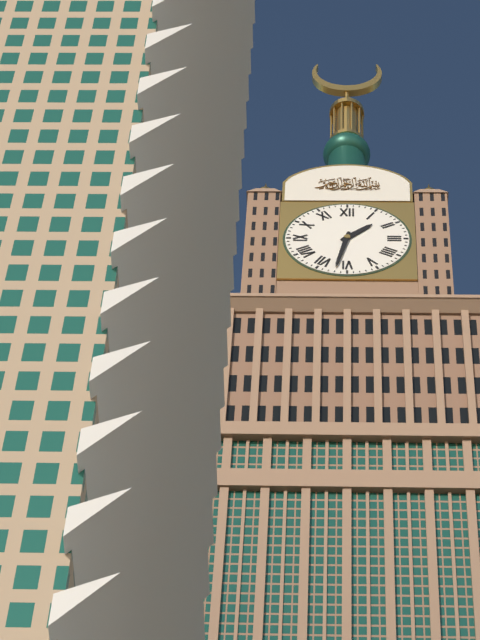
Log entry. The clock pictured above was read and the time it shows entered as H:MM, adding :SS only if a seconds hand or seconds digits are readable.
1:32
